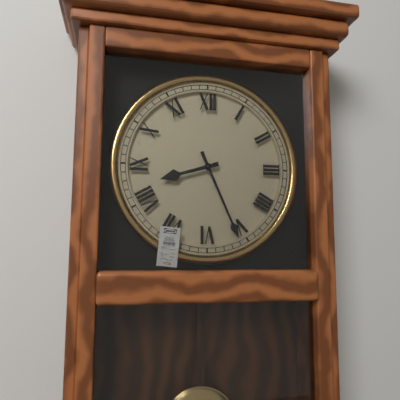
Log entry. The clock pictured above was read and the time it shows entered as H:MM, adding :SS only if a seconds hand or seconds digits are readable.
8:26
